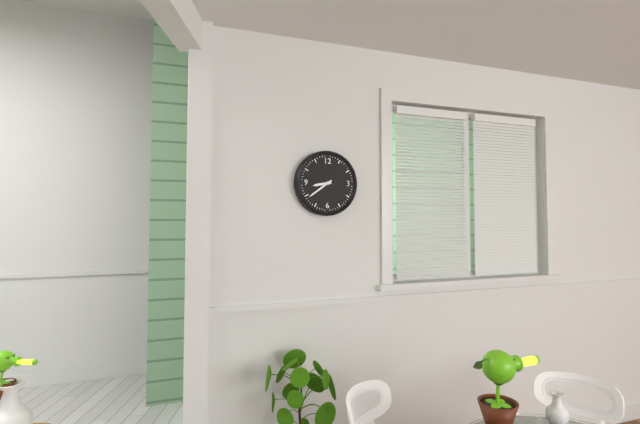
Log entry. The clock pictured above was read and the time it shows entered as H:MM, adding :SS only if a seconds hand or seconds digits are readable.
8:39
